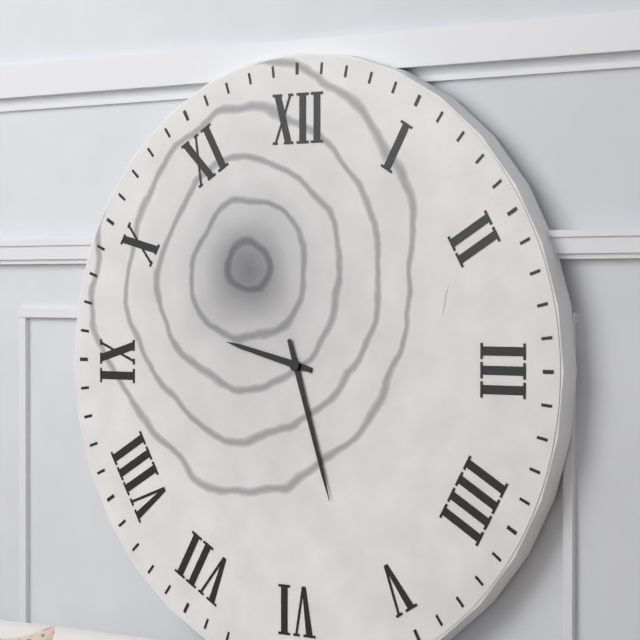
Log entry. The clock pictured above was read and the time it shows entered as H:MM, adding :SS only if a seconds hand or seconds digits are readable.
9:27
